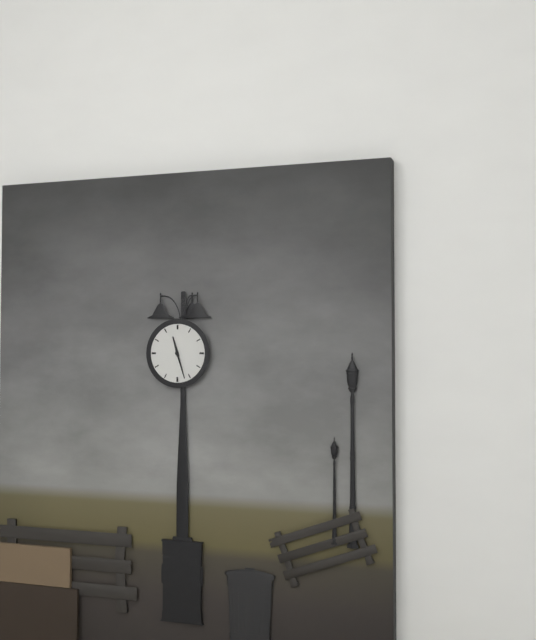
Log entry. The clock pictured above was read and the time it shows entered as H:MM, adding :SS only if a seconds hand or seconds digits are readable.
11:27
